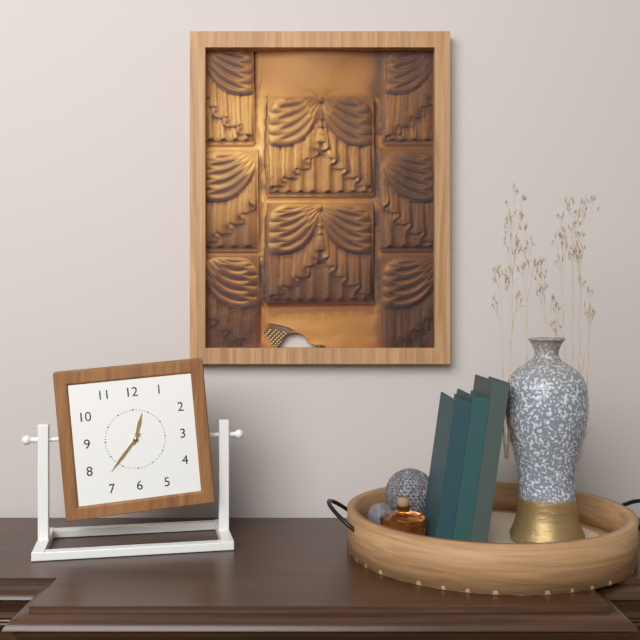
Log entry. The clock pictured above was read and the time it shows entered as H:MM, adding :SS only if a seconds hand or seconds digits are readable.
12:37
